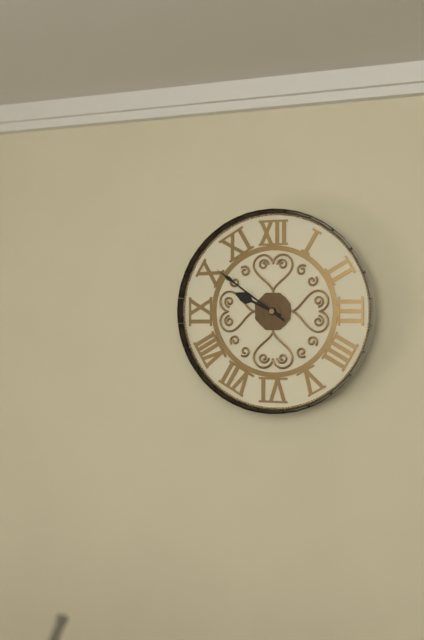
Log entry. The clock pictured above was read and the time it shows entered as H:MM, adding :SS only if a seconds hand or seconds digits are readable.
9:51
